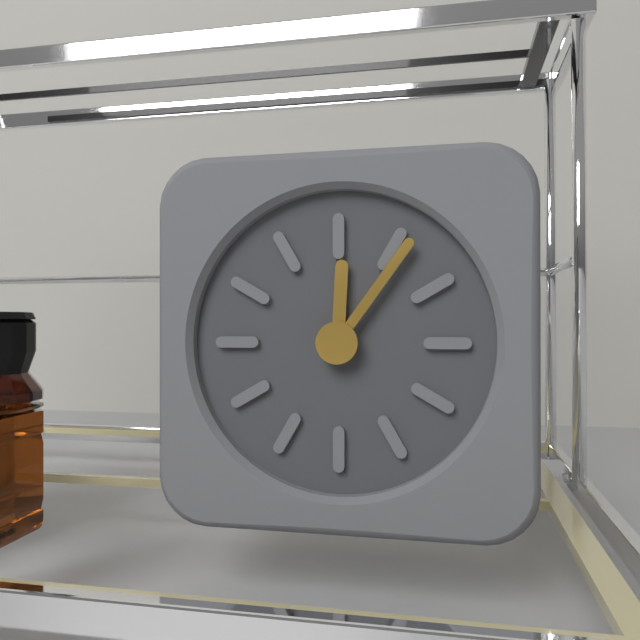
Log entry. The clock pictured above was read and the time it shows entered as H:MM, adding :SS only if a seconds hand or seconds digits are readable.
12:06
